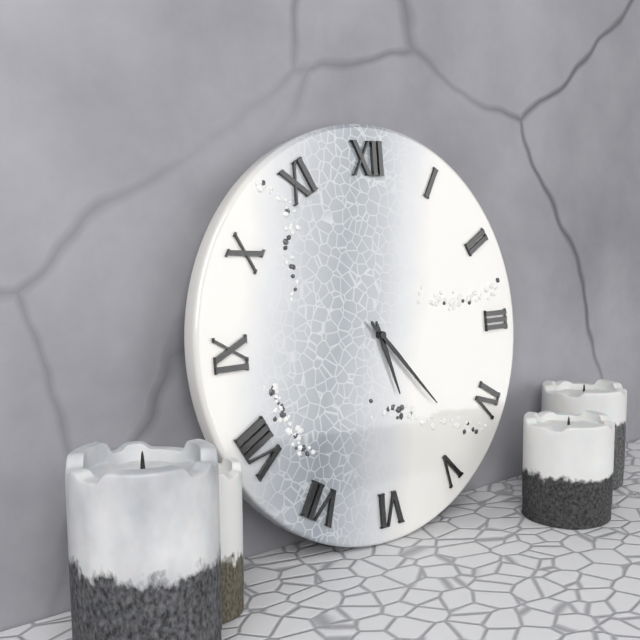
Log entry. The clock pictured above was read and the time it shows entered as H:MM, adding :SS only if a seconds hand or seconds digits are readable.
5:23
